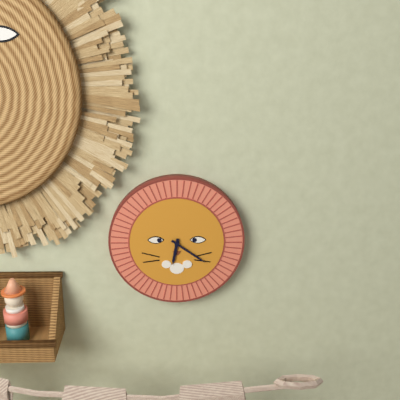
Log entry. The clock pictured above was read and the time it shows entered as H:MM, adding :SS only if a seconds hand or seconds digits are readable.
6:21
